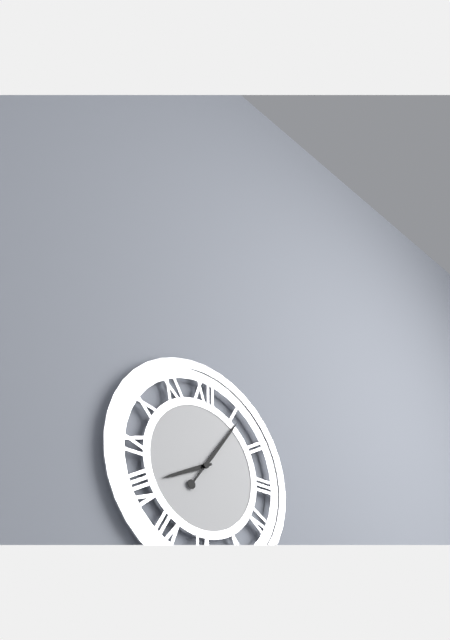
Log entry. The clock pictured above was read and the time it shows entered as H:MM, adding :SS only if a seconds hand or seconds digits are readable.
8:06
